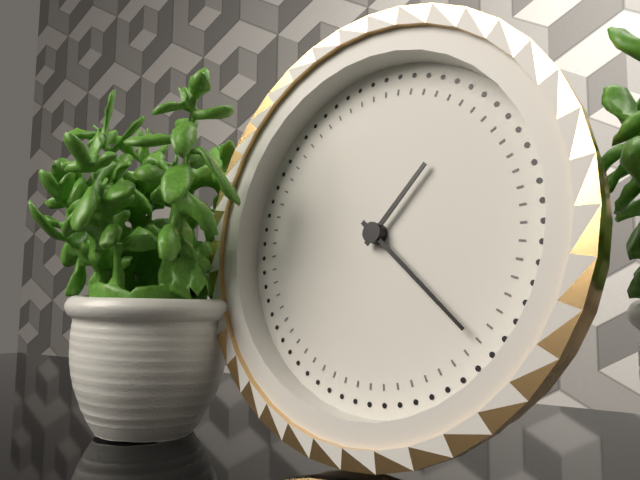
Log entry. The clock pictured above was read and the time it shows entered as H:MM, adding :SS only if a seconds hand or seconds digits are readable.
1:22
